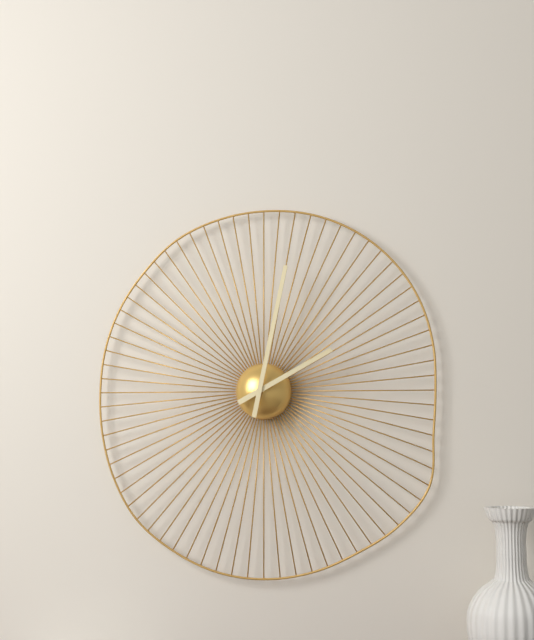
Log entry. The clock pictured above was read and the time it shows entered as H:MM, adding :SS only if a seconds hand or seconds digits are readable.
2:02
